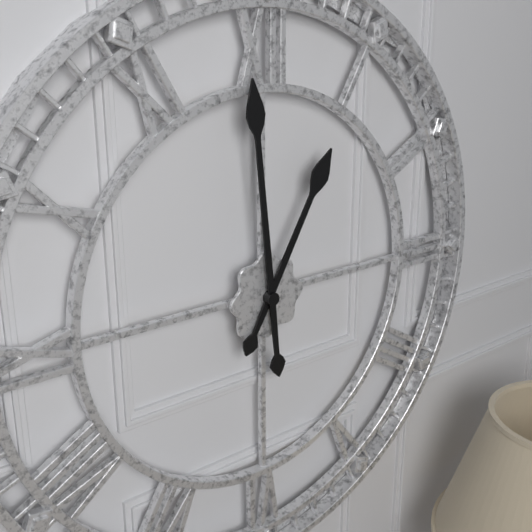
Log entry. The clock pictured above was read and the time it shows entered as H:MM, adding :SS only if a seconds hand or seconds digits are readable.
12:59
